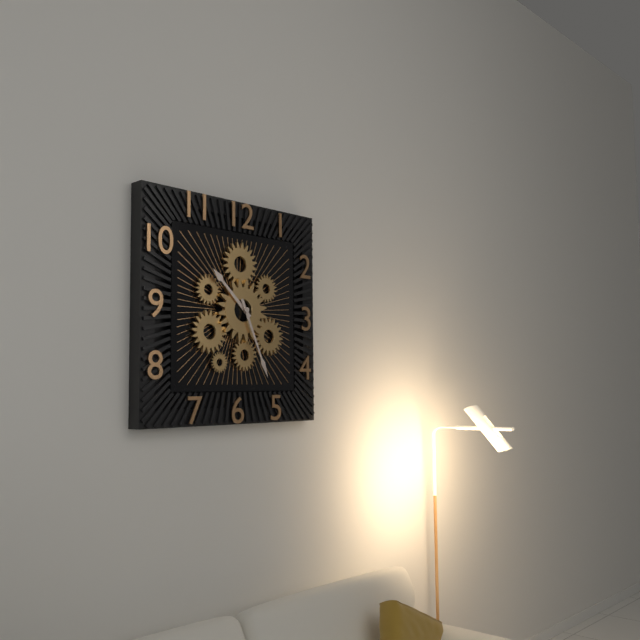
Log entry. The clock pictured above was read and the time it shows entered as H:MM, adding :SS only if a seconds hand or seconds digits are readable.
10:26
